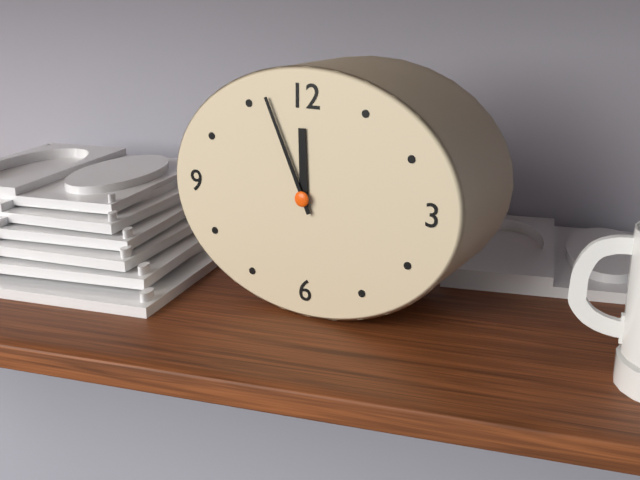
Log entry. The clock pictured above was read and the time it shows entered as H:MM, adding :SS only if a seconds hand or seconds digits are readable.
11:56
